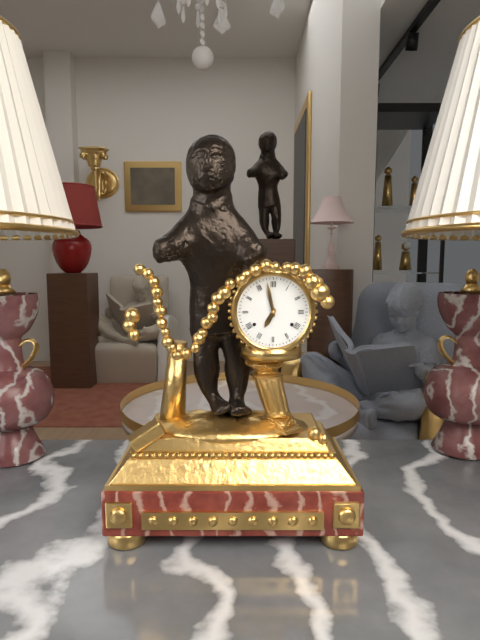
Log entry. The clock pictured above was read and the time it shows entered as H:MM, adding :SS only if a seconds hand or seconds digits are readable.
6:58
